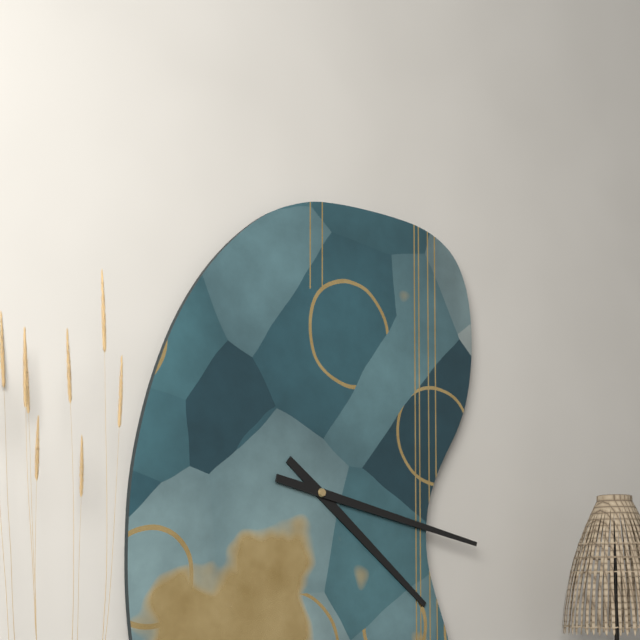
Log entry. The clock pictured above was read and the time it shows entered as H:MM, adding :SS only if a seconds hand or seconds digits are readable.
4:17
